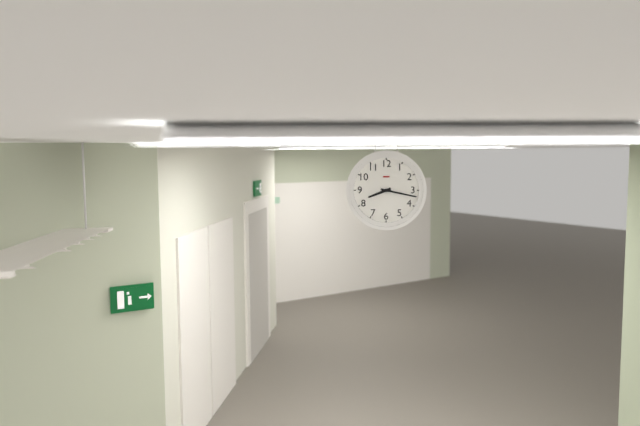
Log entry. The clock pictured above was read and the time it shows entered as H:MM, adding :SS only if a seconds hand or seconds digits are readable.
8:17
